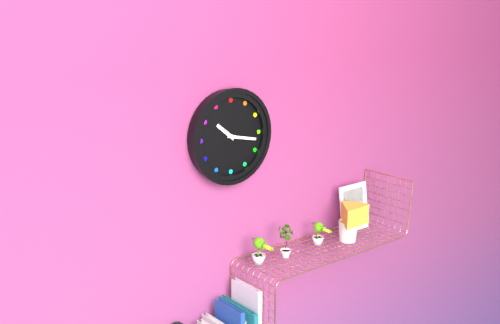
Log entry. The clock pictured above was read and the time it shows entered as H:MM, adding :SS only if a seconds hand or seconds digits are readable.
10:17
